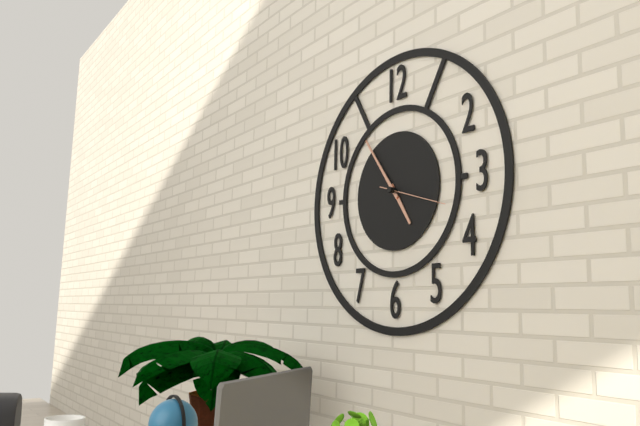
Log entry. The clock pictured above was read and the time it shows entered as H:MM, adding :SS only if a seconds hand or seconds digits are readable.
4:54:18
